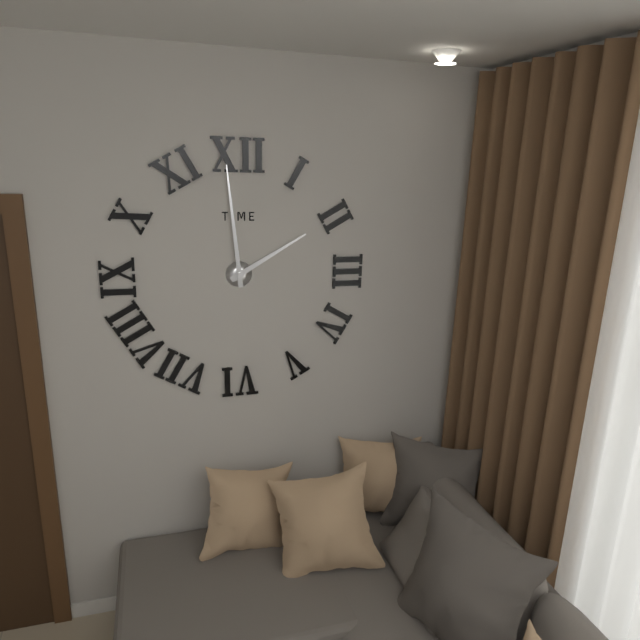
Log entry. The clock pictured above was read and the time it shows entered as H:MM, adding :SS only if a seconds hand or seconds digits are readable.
1:59
